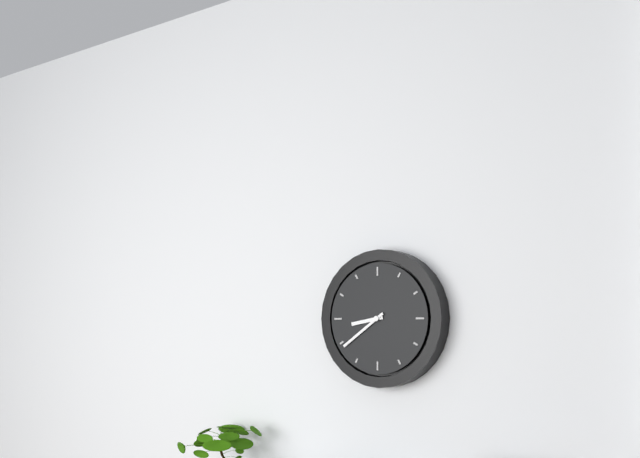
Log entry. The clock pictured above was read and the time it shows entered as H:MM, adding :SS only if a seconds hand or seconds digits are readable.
8:39
